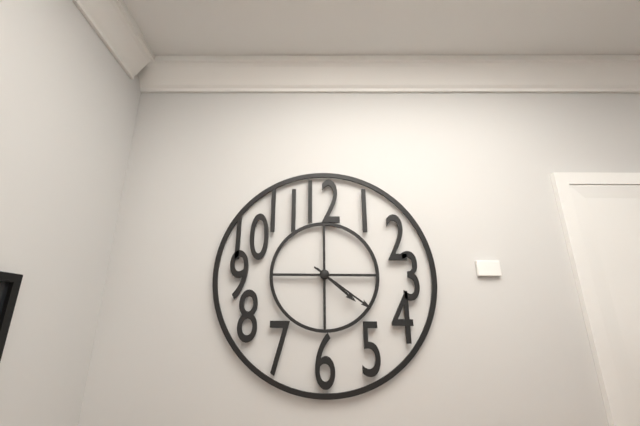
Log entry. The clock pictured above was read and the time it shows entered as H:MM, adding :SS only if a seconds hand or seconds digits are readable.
4:21
